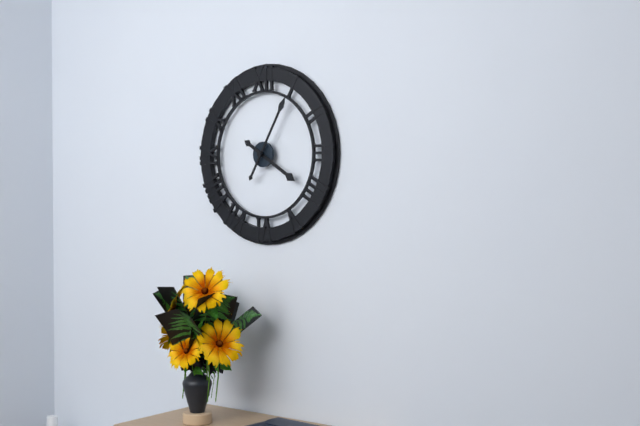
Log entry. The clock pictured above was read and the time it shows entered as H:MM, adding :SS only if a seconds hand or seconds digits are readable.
4:05
